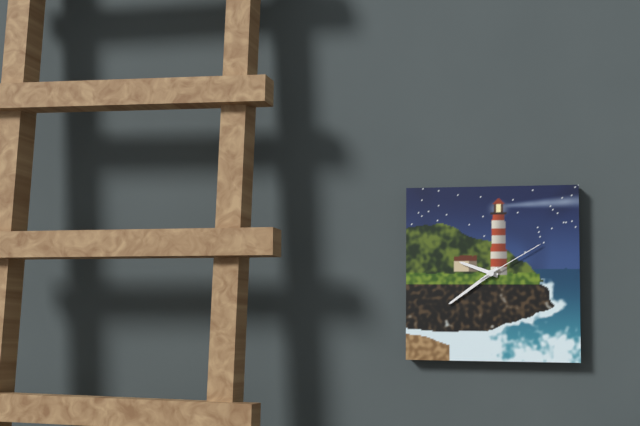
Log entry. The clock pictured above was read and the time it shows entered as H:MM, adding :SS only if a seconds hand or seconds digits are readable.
9:39:10
